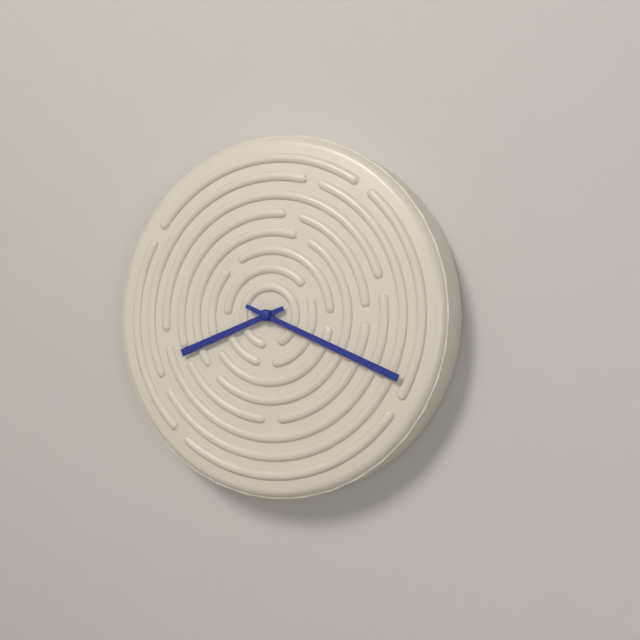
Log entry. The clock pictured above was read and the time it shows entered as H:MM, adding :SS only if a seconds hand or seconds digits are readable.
8:19
